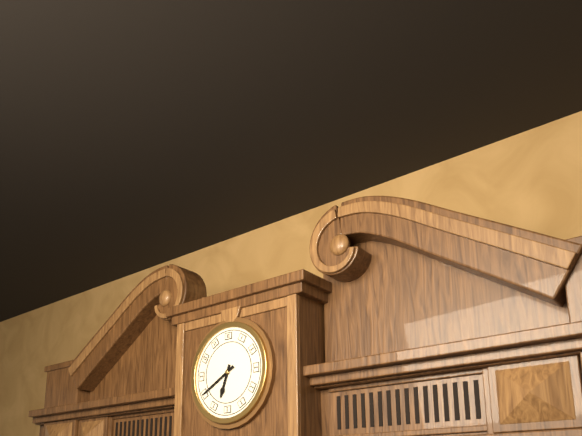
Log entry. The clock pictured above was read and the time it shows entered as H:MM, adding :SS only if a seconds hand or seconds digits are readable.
6:40
